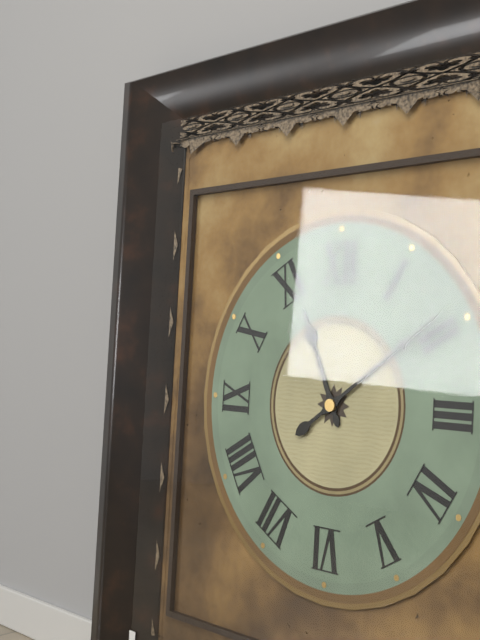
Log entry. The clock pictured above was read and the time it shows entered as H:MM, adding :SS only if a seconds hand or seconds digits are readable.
11:09
